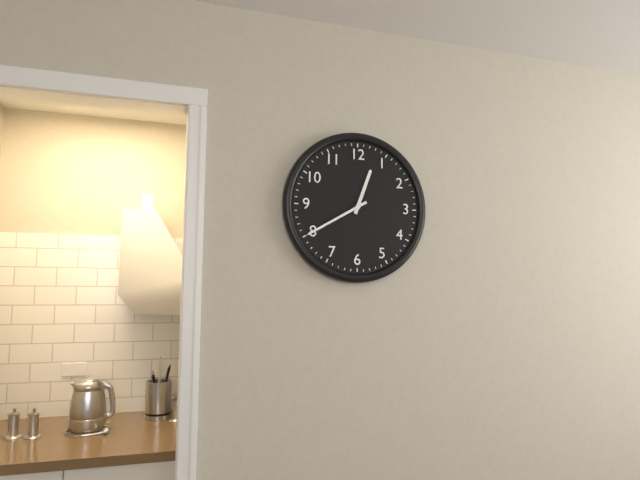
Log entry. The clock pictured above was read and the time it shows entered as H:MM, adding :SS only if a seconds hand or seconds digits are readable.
12:40
